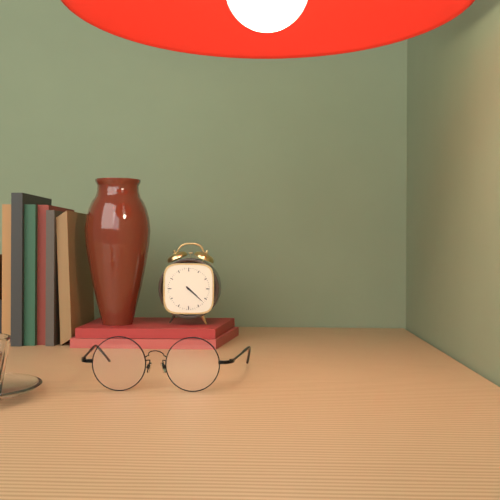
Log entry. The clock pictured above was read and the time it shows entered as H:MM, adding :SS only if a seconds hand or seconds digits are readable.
4:22
